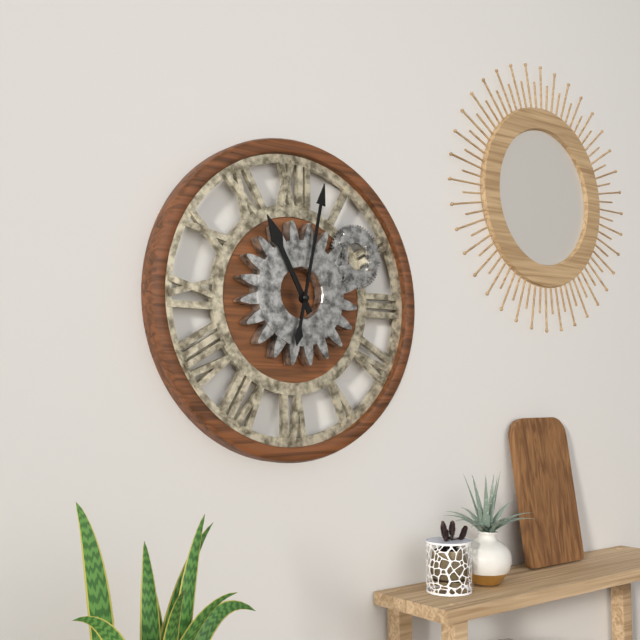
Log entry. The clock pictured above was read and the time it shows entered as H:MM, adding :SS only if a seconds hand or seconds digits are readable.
11:02
